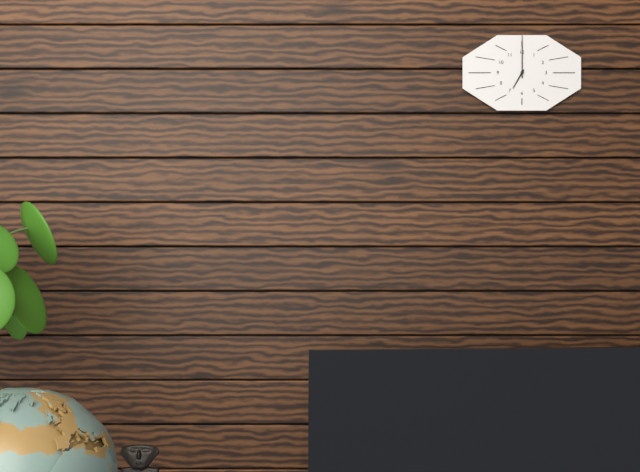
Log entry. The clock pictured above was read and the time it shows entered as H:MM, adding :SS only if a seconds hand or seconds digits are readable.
7:00
